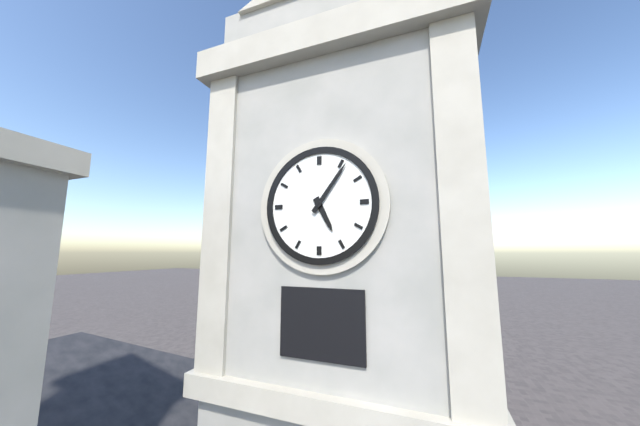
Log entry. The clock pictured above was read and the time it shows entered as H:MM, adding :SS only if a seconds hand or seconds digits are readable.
5:06
